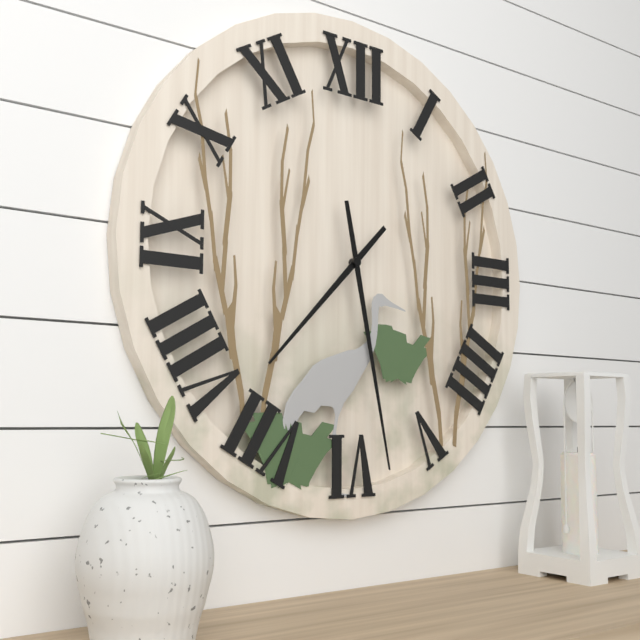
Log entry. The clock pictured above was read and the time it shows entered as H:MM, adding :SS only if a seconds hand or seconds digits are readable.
7:28
